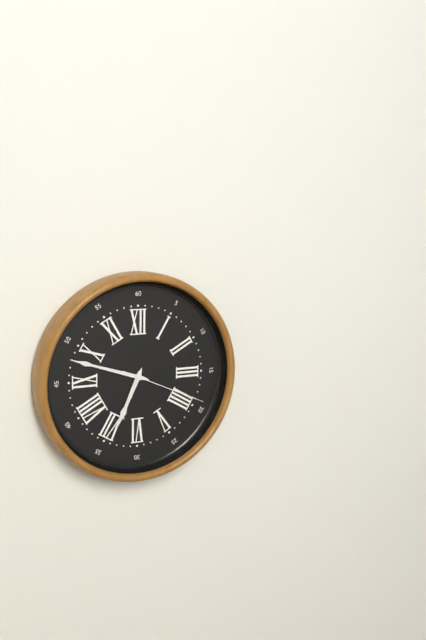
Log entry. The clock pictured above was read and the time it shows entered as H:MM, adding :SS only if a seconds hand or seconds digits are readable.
6:48:19
